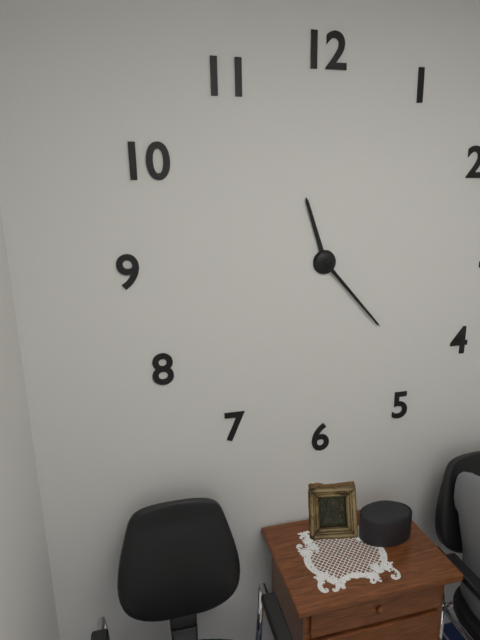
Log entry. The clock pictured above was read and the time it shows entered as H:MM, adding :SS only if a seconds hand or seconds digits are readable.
11:23
